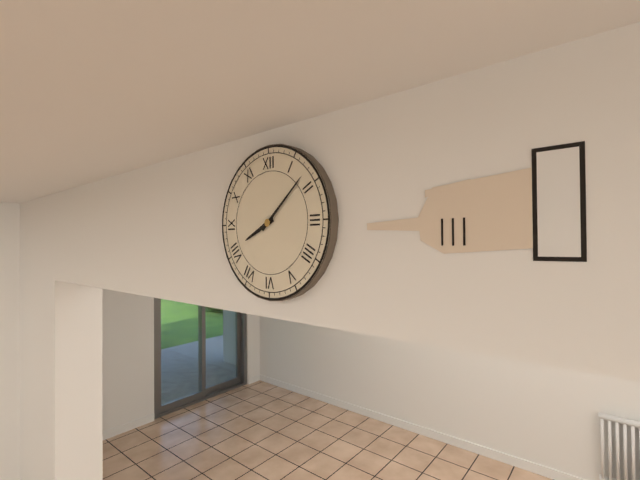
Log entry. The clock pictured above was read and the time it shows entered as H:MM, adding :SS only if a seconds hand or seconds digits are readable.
8:08
